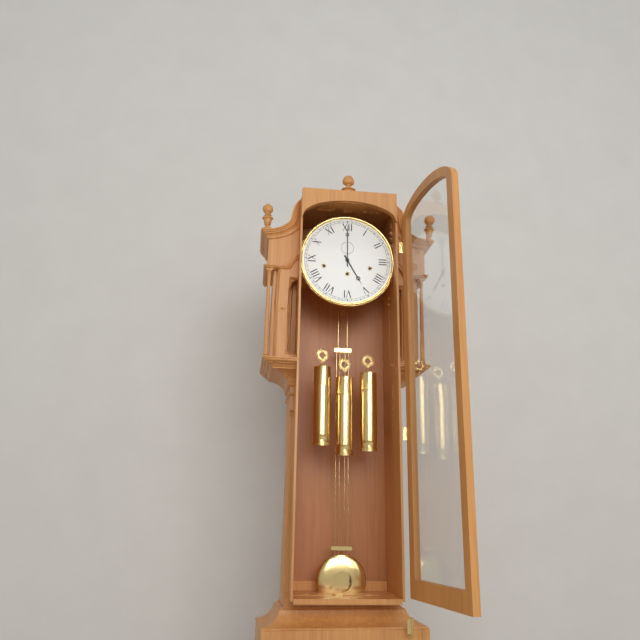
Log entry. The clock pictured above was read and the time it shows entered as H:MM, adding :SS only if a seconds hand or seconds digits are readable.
5:00
